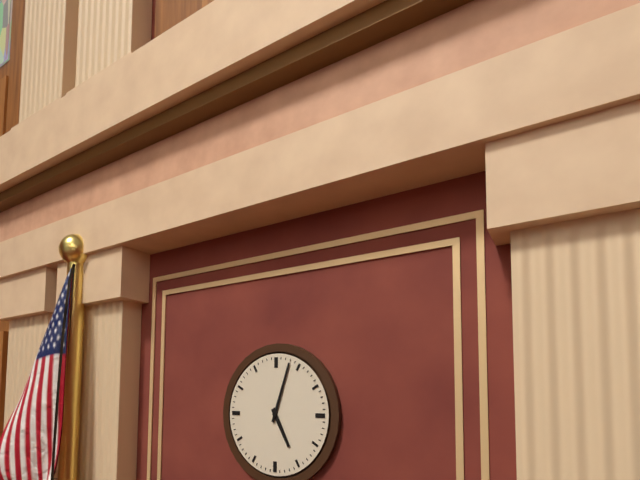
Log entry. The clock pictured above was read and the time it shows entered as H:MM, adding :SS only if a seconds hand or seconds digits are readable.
5:03
